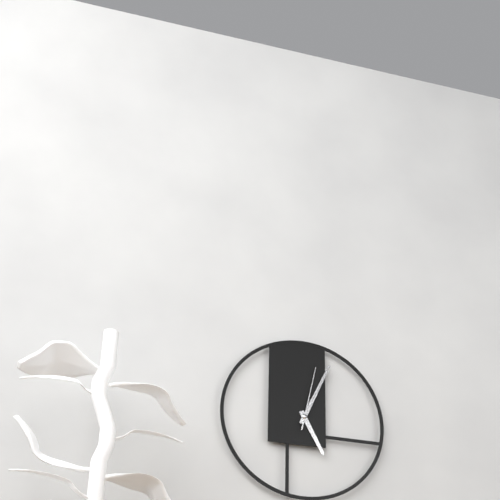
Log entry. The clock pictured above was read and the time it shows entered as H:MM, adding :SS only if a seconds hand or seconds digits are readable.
5:04:02
